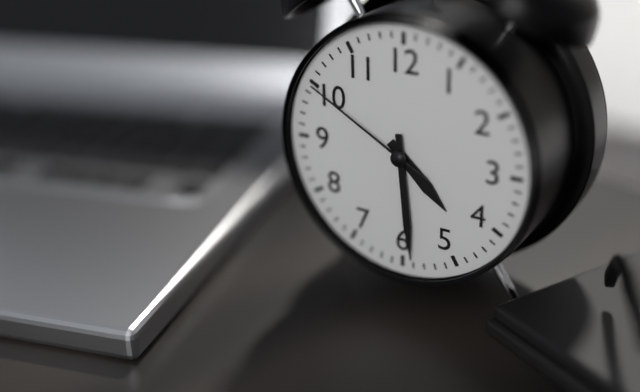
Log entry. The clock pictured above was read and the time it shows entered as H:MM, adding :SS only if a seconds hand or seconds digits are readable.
4:29:50
